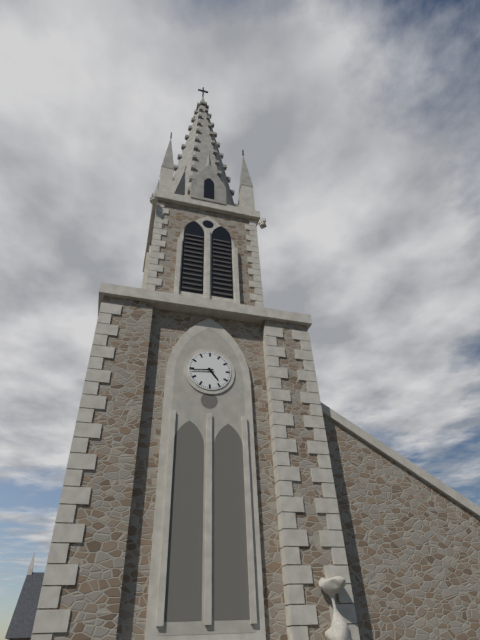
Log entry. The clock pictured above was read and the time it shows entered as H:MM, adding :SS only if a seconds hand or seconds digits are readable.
4:44
